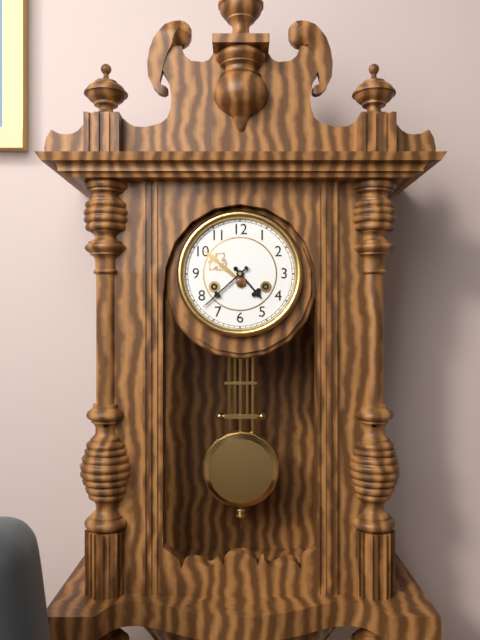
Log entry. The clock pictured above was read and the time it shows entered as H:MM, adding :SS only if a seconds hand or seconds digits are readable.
4:38
